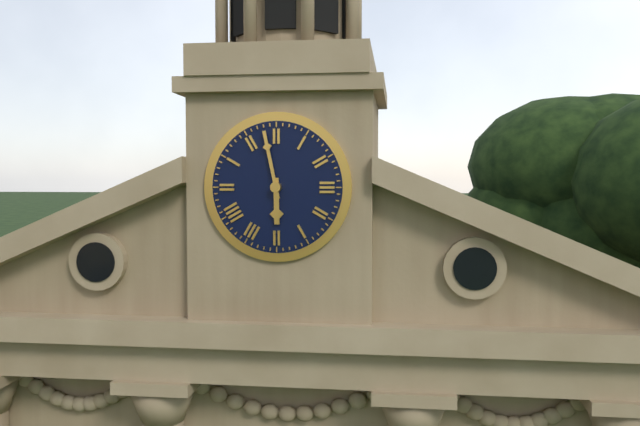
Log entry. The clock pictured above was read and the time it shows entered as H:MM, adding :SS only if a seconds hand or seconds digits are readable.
5:58
